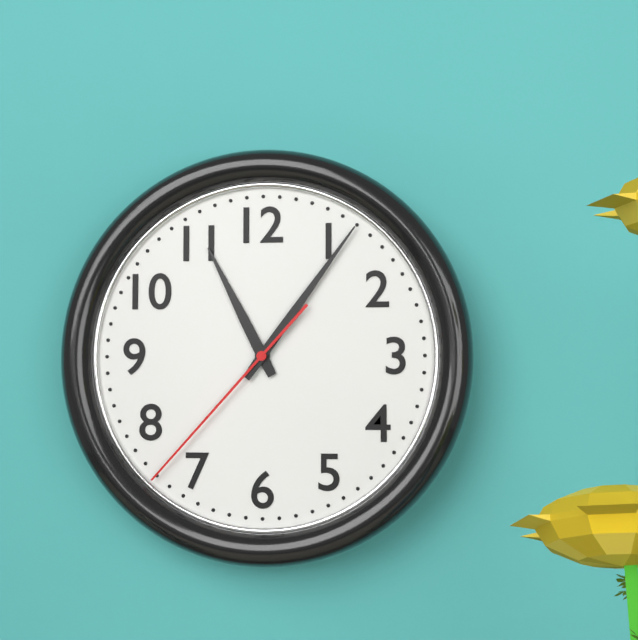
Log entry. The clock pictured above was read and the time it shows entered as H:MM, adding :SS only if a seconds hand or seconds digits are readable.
11:06:37
